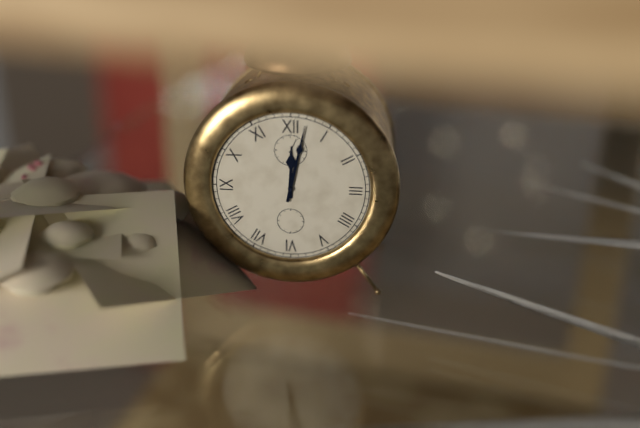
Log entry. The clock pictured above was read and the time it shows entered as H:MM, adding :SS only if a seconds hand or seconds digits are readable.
12:02
